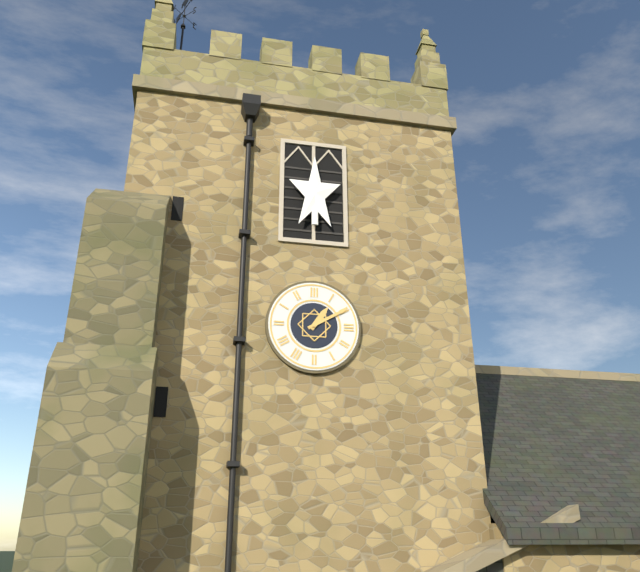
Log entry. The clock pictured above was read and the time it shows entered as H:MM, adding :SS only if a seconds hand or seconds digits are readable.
1:10
